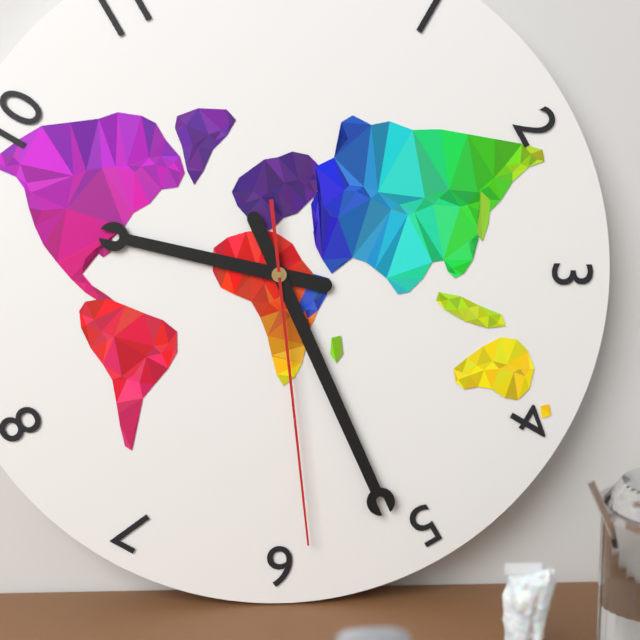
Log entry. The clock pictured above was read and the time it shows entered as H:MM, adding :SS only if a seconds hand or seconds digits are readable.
9:26:29
